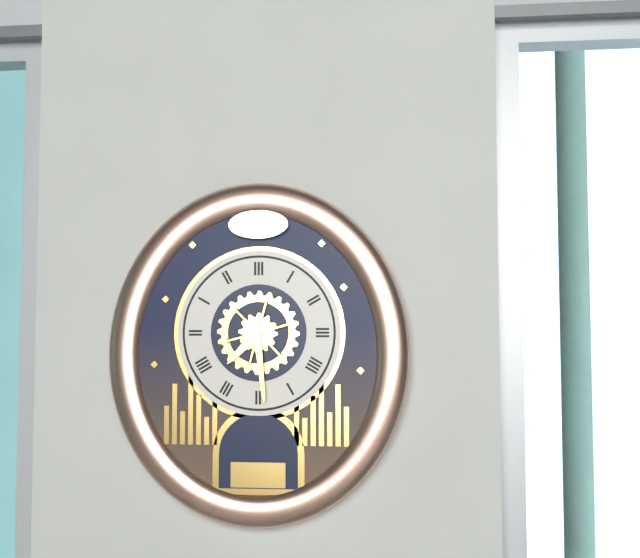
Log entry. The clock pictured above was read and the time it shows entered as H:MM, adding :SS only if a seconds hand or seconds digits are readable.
7:29
